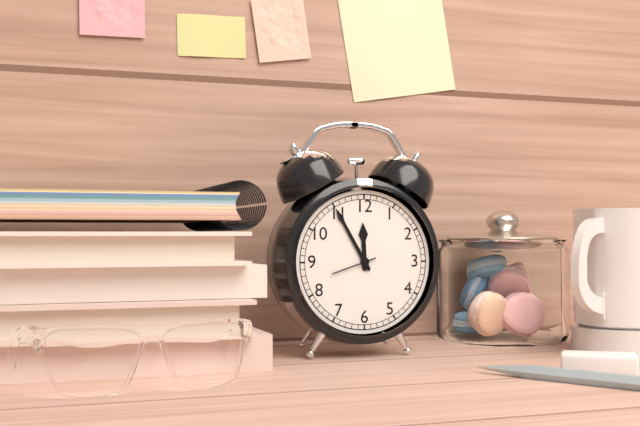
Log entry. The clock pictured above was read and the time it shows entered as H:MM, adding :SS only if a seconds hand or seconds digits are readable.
11:55
